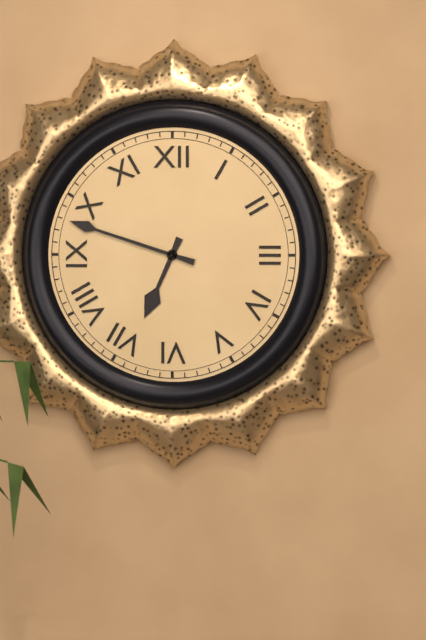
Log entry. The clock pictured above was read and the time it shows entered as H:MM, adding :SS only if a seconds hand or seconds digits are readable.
6:48
